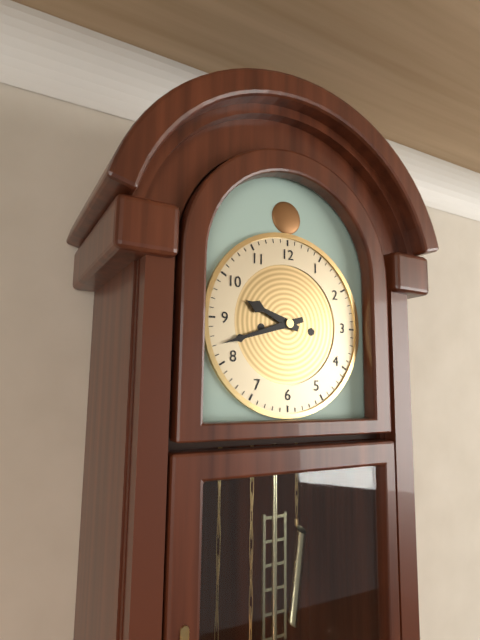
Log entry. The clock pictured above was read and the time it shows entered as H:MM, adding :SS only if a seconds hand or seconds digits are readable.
9:42
